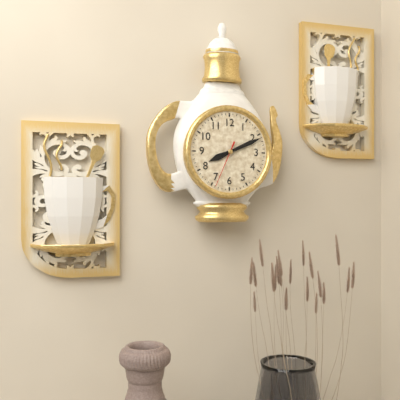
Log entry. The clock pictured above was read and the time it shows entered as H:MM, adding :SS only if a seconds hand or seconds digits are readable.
8:11
